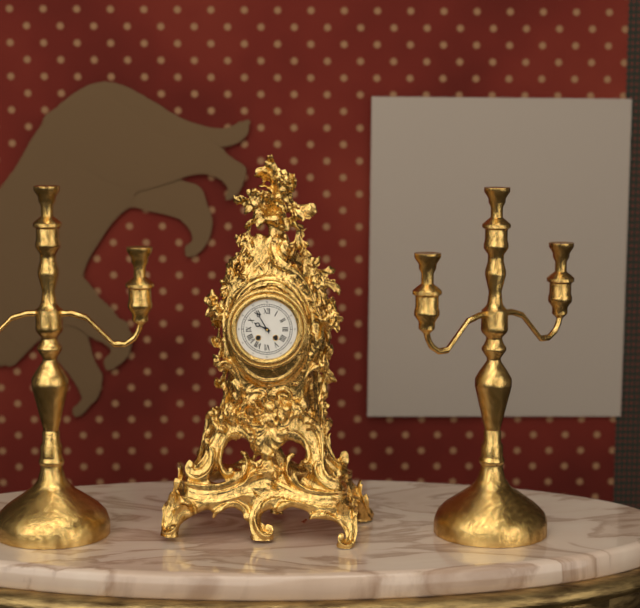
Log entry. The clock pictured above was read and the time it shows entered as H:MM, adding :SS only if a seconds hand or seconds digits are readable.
9:55
